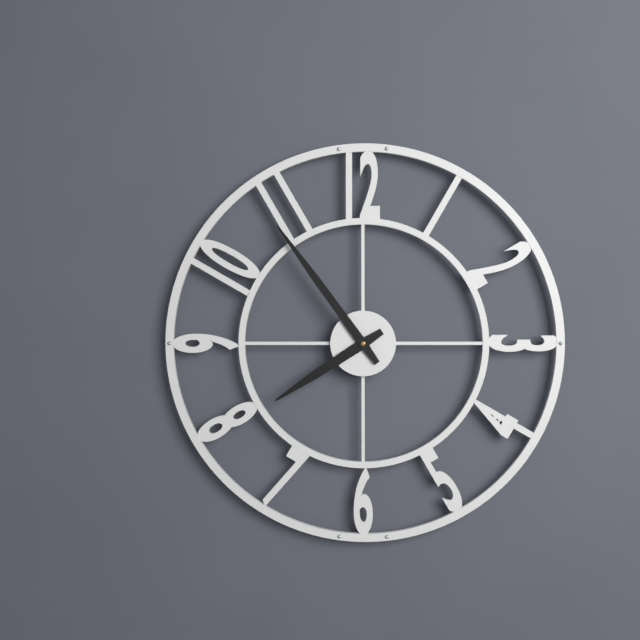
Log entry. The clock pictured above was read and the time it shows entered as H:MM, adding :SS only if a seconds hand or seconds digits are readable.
7:54
